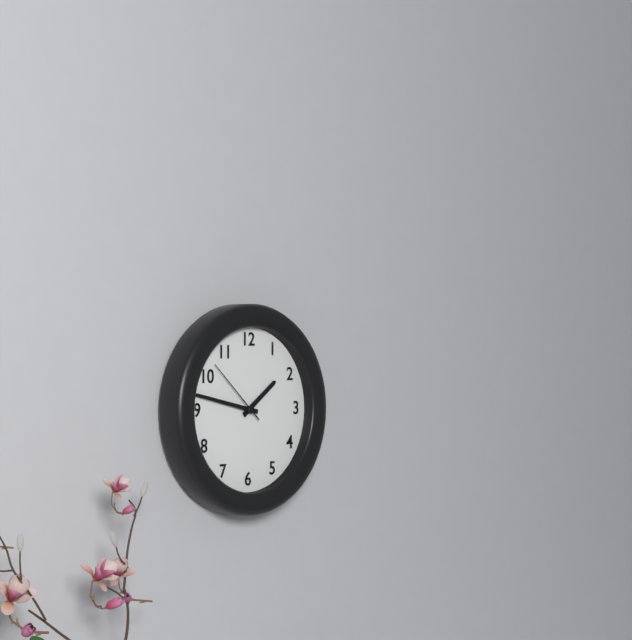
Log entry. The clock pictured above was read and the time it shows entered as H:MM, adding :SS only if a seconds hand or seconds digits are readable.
1:47:52
